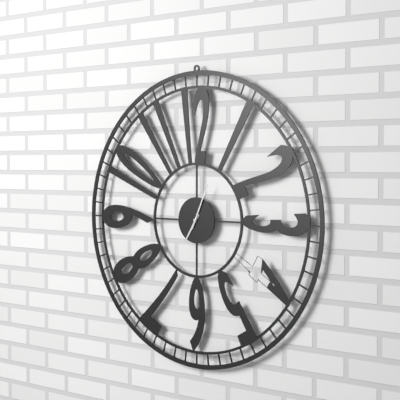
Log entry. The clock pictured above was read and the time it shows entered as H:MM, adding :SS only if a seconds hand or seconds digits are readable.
7:04
